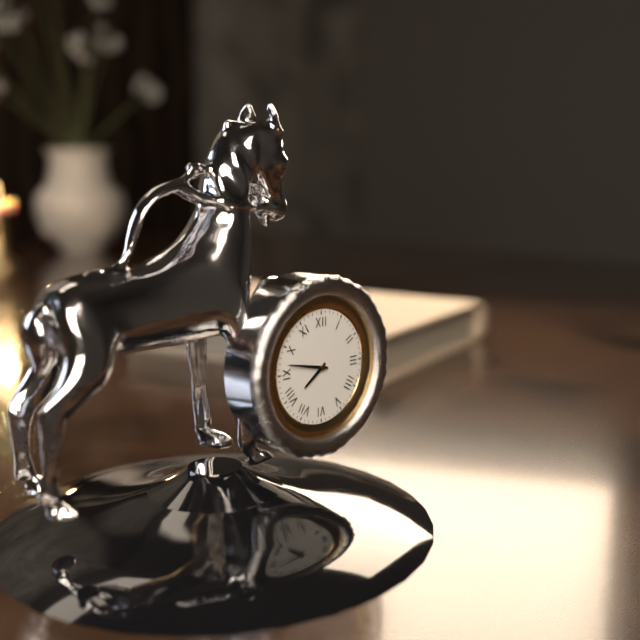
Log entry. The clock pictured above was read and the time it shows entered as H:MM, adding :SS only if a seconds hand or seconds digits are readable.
7:47
